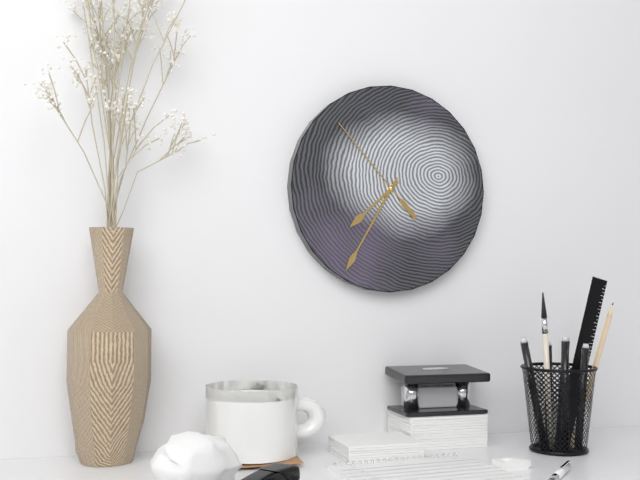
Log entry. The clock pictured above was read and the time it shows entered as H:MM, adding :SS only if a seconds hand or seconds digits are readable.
7:35:53
